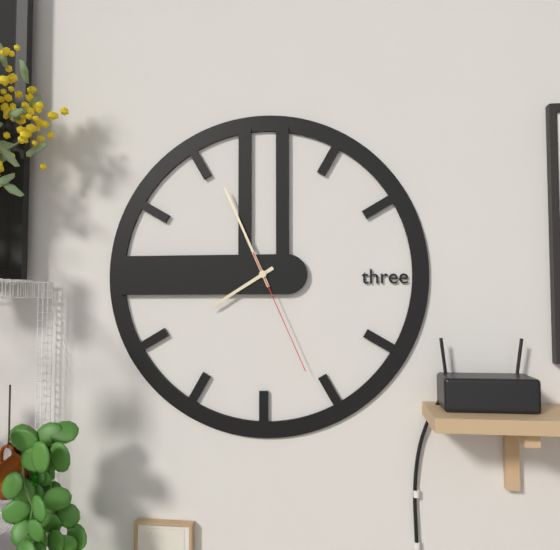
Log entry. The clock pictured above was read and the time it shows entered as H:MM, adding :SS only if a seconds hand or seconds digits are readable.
7:56:26
